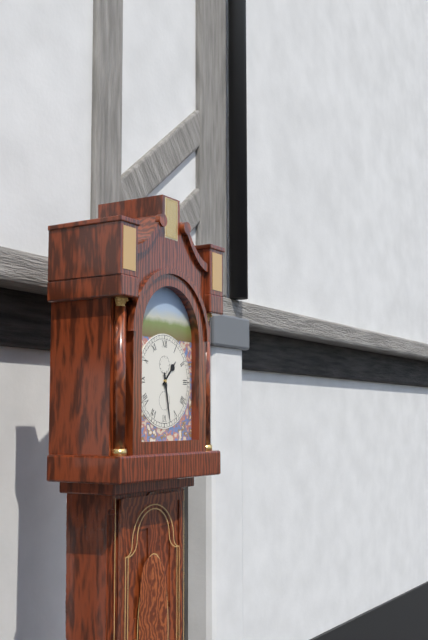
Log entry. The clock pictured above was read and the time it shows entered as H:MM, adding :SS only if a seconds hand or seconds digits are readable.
1:28
